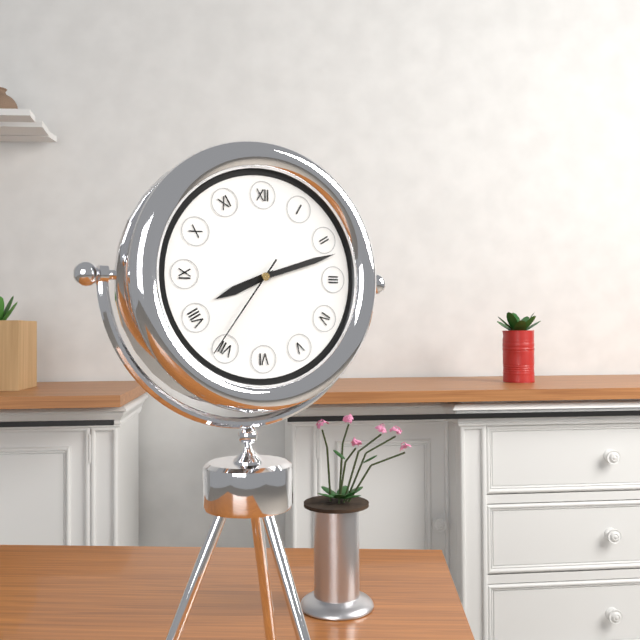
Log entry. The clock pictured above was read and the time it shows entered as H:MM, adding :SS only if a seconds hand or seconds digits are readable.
8:12:36
